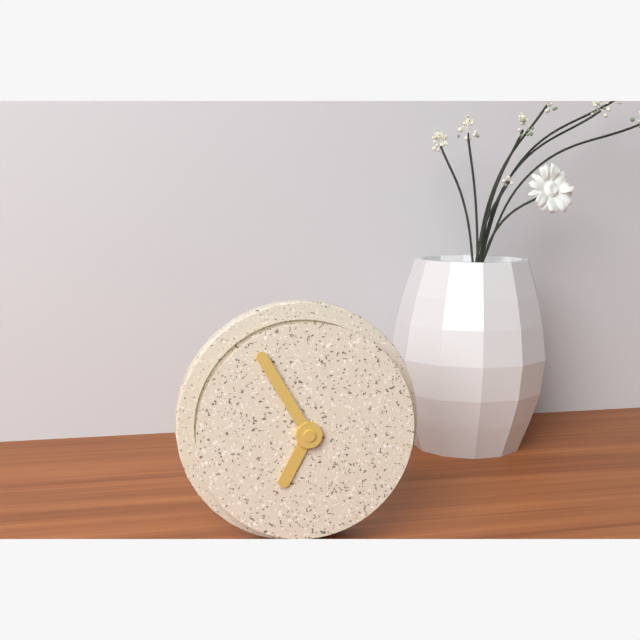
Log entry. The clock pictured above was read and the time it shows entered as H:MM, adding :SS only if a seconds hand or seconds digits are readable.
6:55
